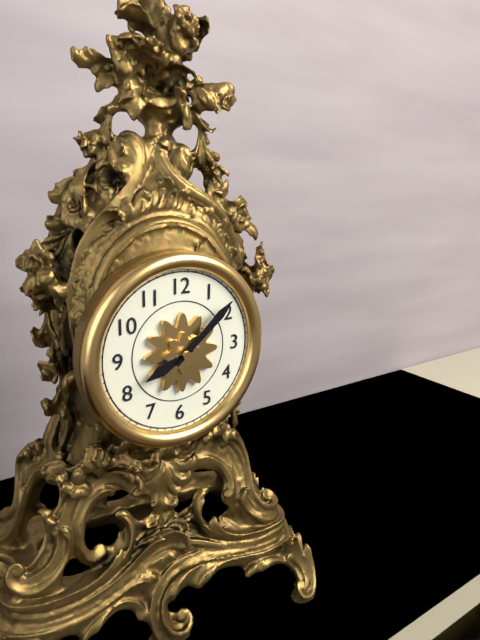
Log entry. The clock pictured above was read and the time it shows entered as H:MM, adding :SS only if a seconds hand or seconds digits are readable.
8:08
